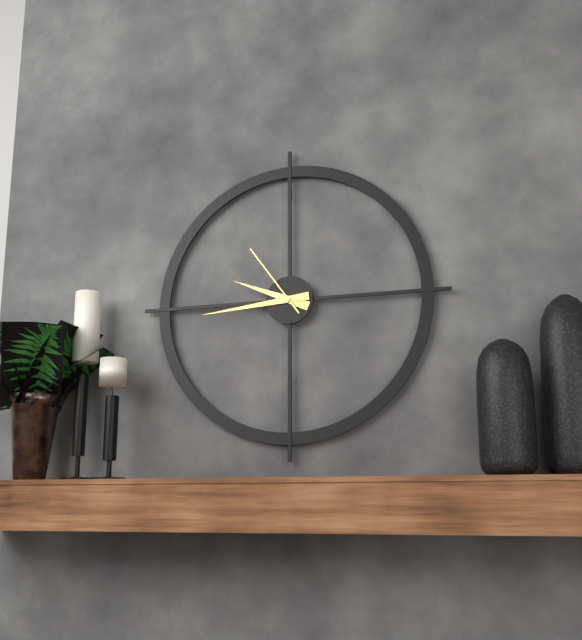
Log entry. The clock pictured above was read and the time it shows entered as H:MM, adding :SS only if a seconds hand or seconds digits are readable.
9:44:54
